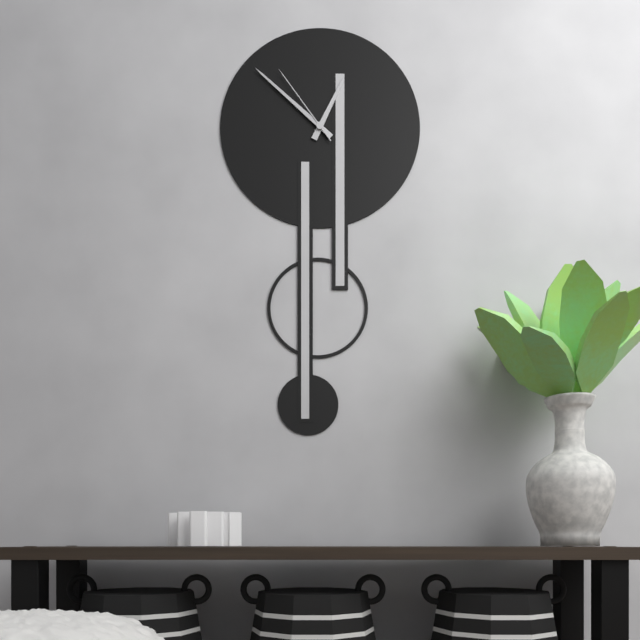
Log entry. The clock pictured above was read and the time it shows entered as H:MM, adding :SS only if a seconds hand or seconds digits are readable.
12:52:54
